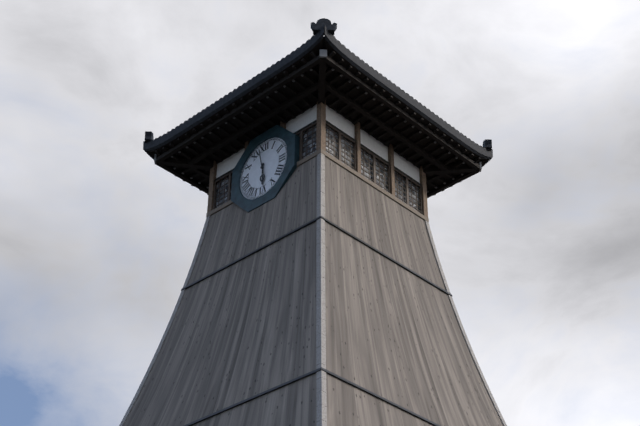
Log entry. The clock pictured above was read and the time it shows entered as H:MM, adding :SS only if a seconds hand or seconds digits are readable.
5:58
